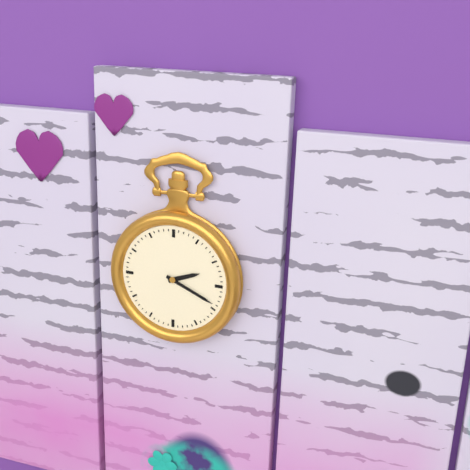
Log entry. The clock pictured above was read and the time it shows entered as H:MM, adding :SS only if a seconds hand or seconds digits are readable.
2:19
